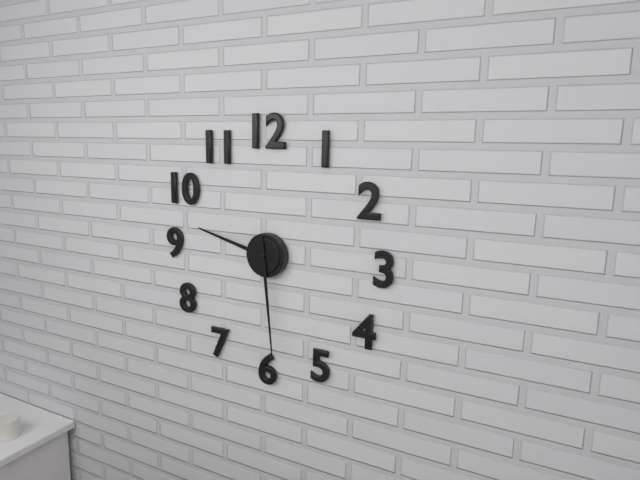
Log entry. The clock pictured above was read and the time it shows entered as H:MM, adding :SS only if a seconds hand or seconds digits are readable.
9:29
